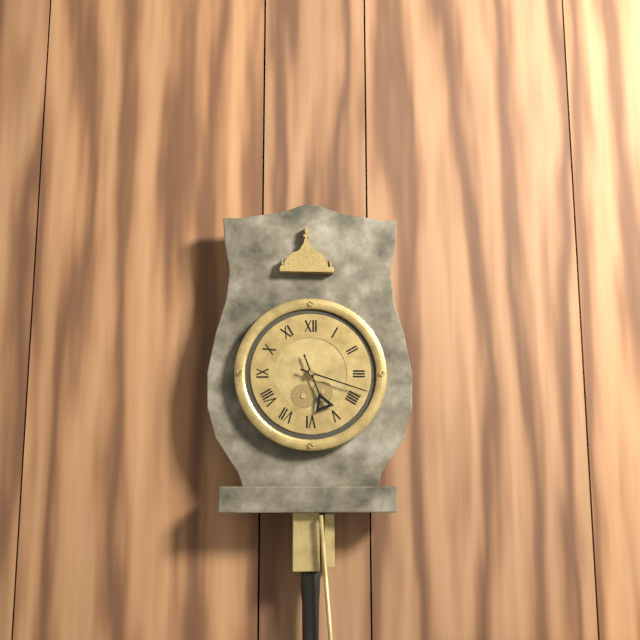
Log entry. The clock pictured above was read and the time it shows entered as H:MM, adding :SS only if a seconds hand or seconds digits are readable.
5:18
